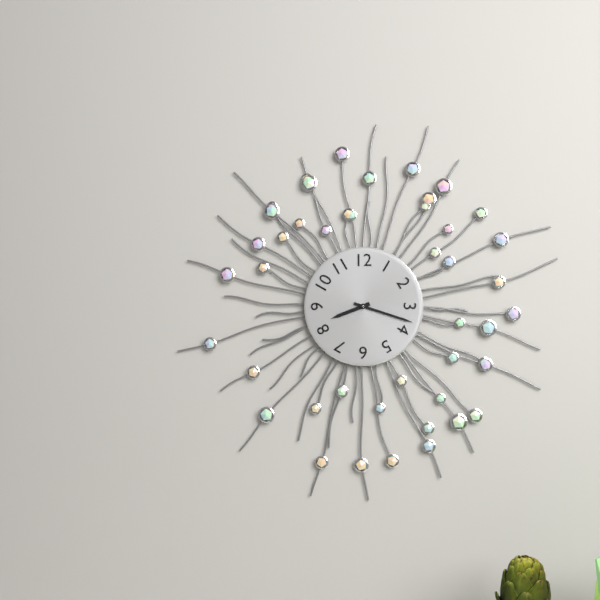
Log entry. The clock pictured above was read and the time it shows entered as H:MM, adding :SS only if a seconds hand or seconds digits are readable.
8:18
